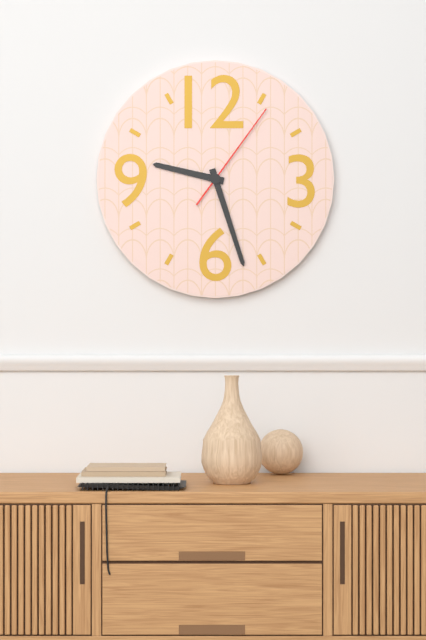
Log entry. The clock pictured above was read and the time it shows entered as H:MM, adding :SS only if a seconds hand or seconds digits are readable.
9:27:06
